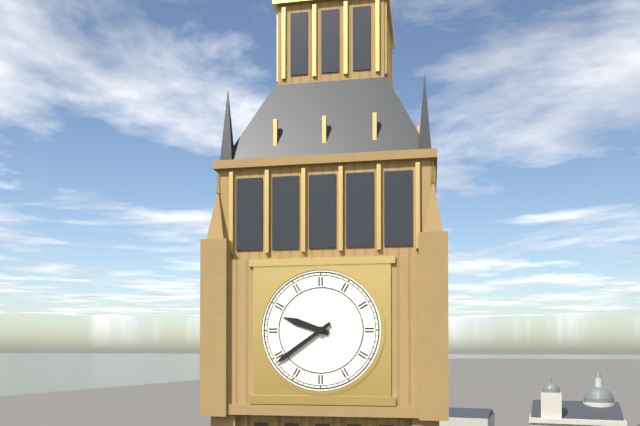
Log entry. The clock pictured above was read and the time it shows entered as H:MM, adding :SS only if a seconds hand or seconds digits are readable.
9:39
